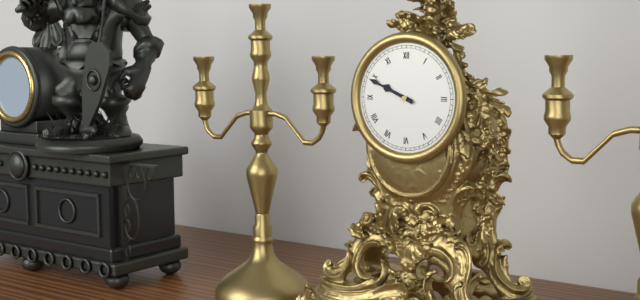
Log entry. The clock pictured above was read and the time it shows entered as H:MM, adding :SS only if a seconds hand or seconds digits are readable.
9:49
